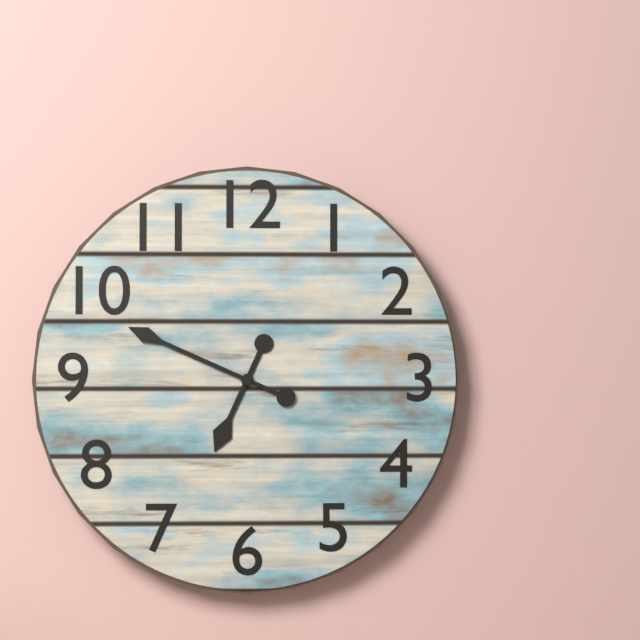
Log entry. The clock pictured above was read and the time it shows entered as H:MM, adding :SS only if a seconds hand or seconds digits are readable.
6:49
